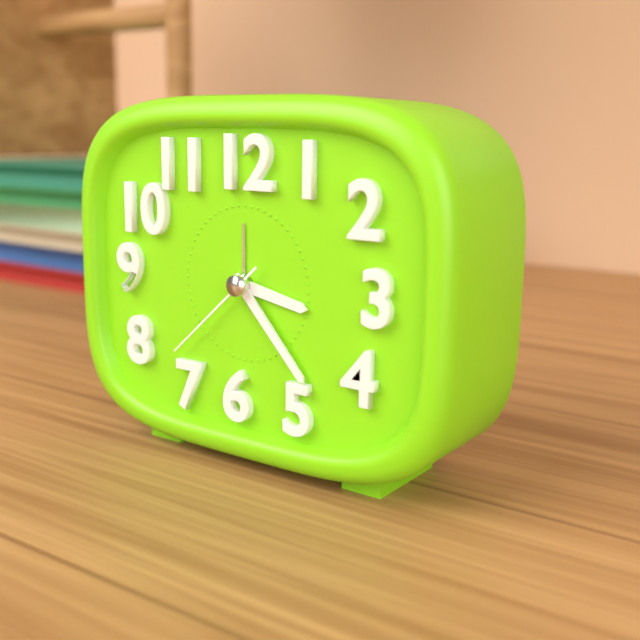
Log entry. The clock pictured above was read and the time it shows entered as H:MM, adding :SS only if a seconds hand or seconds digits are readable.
3:23:38
